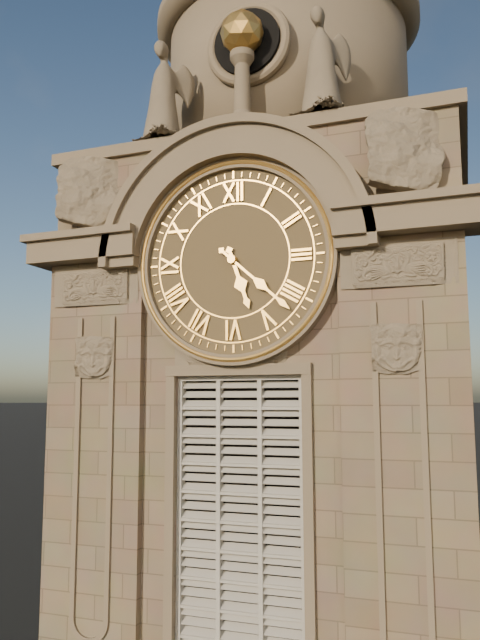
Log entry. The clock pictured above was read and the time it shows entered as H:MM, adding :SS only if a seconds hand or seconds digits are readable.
5:22
